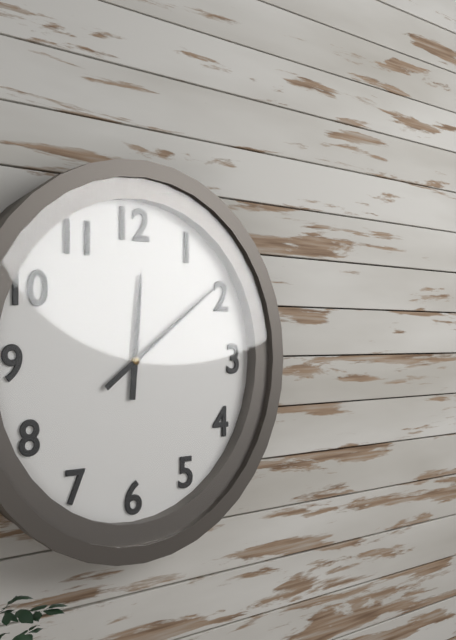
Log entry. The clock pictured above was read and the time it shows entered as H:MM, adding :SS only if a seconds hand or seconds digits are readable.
12:09
